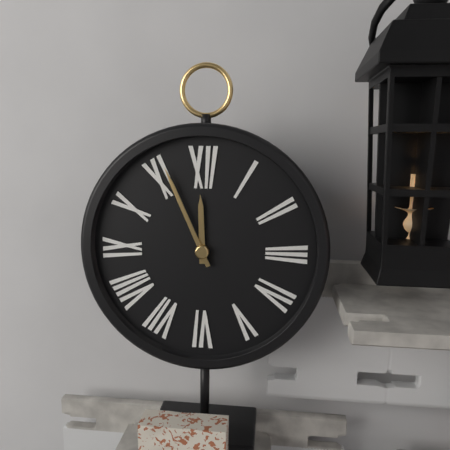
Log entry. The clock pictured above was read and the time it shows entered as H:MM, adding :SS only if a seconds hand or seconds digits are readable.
11:56
